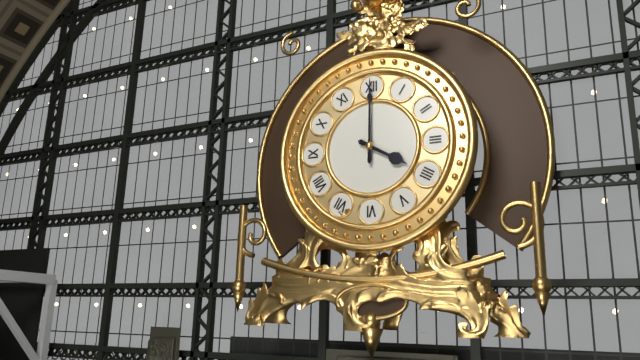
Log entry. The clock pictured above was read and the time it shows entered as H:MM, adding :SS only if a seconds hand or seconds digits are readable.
4:00
